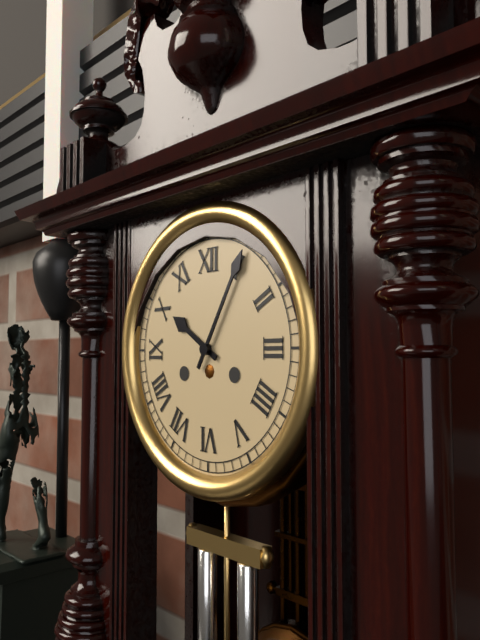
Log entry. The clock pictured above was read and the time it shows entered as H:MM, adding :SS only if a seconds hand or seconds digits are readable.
10:05
